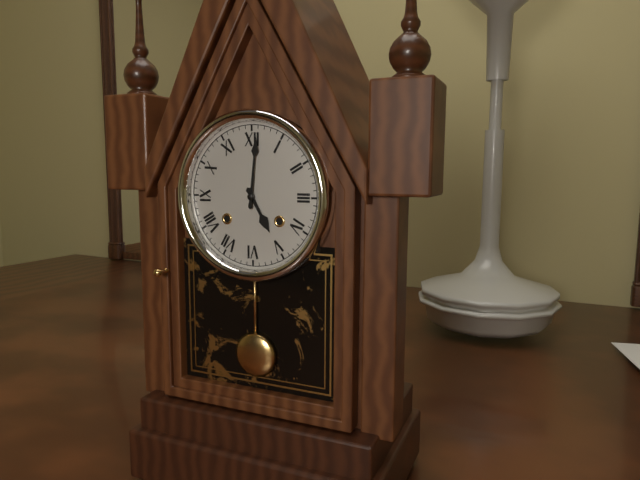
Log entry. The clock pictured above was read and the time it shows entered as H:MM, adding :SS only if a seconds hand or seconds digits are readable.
5:01
